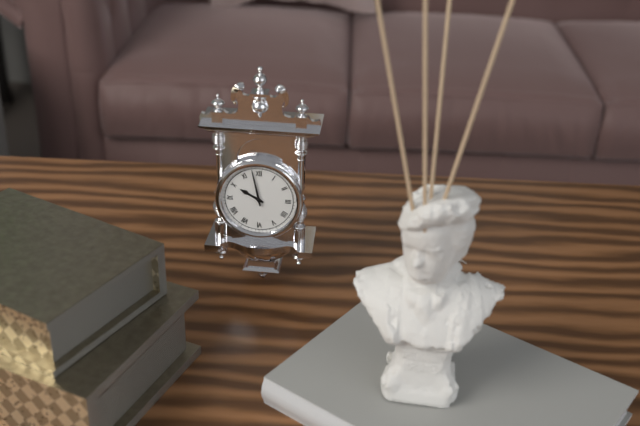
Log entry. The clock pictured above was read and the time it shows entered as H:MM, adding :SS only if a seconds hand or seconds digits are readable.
9:58
